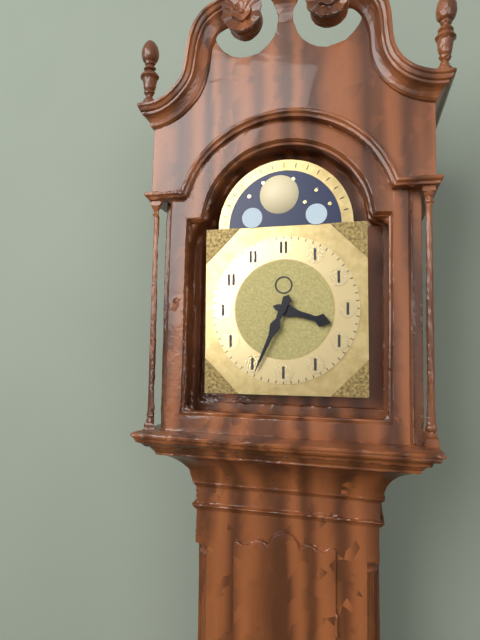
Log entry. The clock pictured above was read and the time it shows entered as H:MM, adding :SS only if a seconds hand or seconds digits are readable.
3:34
